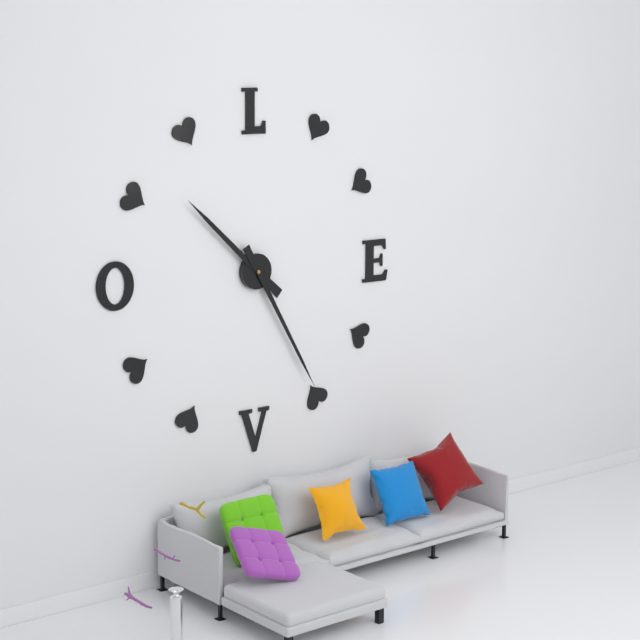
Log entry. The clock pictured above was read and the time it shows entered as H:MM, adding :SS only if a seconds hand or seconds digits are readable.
10:25
